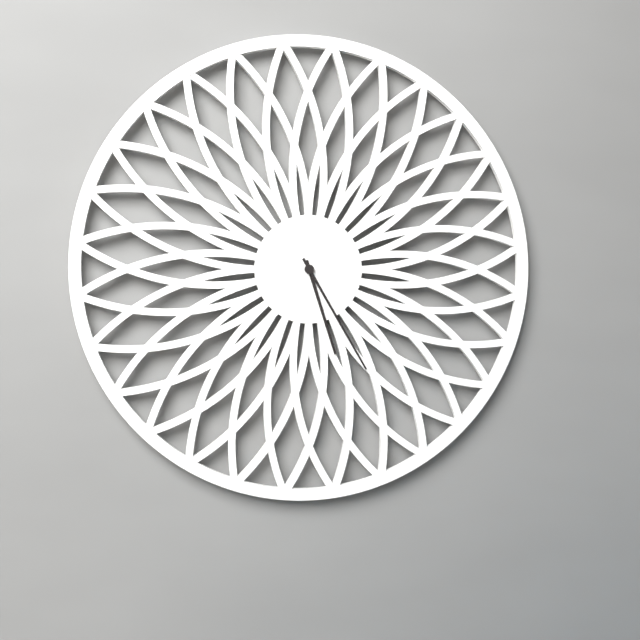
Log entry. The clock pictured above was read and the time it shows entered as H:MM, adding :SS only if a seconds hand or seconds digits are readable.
5:25
